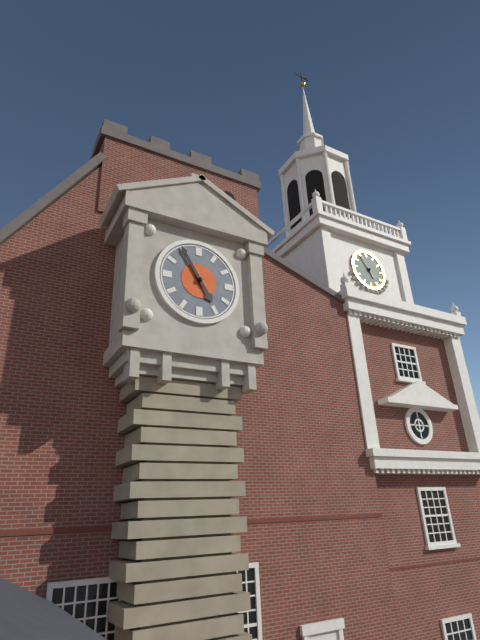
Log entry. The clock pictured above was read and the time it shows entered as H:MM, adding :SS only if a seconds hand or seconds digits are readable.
4:55
